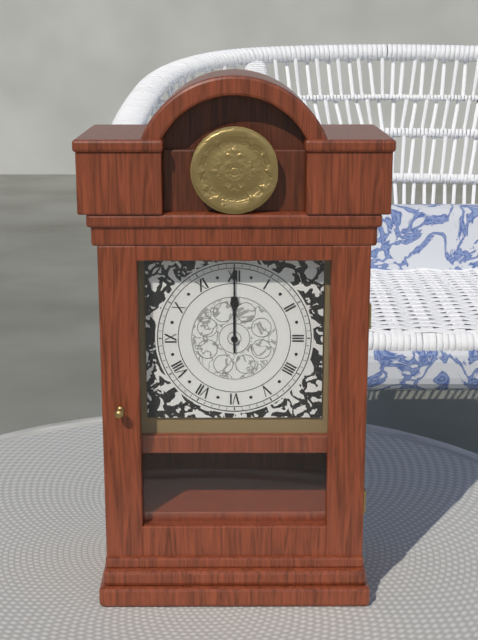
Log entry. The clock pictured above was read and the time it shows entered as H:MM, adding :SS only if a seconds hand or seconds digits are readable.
12:00
